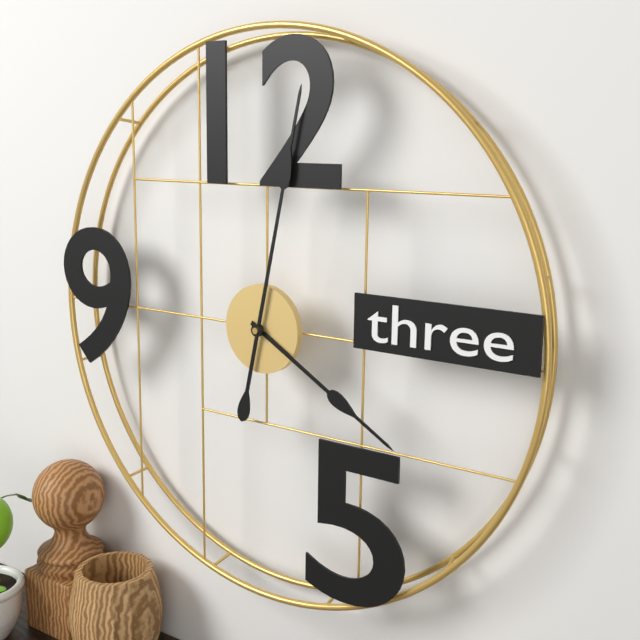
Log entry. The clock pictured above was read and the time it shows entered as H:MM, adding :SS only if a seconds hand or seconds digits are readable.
4:02
